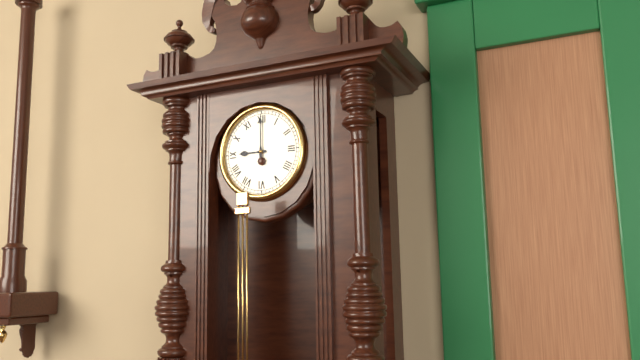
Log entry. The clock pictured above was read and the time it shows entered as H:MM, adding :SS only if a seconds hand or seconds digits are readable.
9:00
